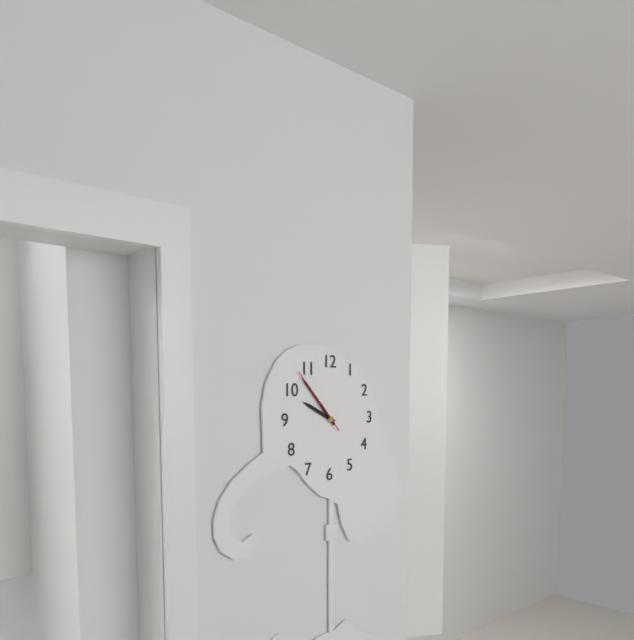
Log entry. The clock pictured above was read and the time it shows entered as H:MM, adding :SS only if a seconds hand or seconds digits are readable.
9:53:53
